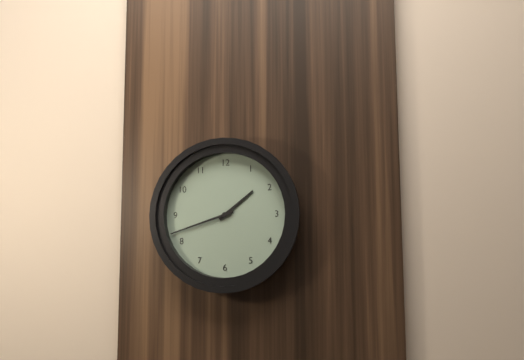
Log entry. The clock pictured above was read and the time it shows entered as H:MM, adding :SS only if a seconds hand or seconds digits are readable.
1:42
